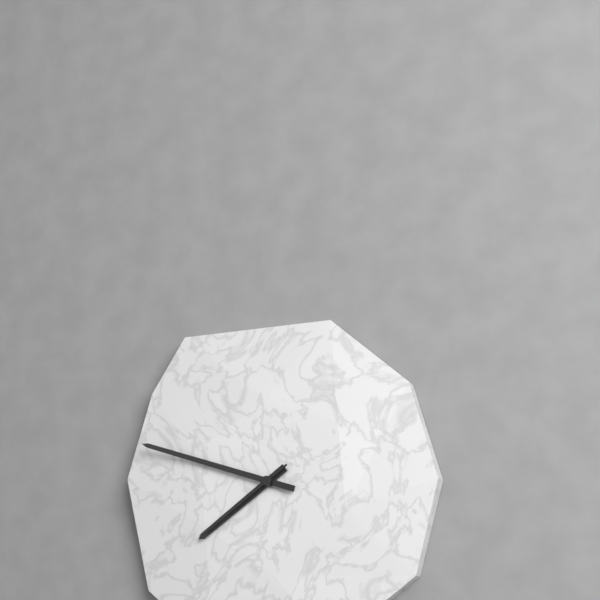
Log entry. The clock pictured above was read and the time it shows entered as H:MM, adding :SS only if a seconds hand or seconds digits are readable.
7:48:39
